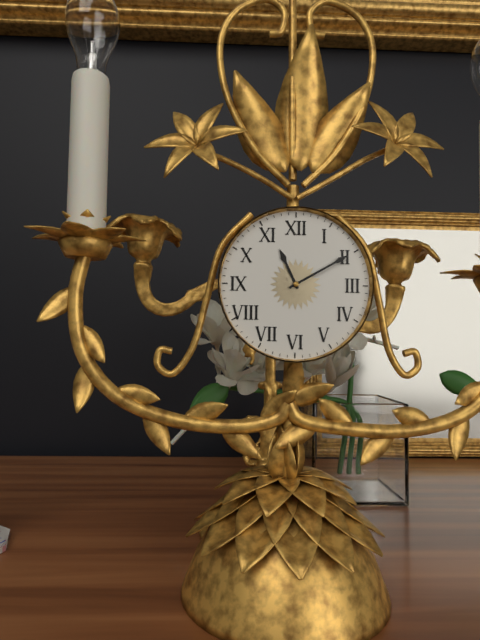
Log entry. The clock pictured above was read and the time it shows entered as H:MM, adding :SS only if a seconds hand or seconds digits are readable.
11:10
